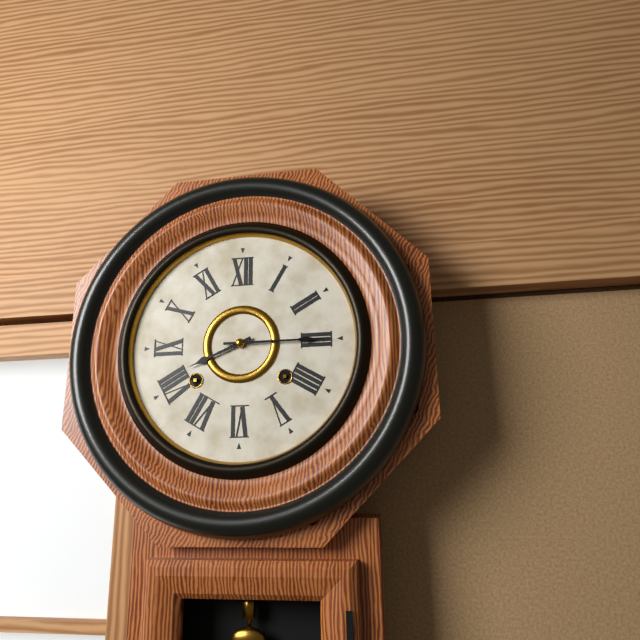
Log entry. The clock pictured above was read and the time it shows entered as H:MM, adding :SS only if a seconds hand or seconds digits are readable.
8:15
